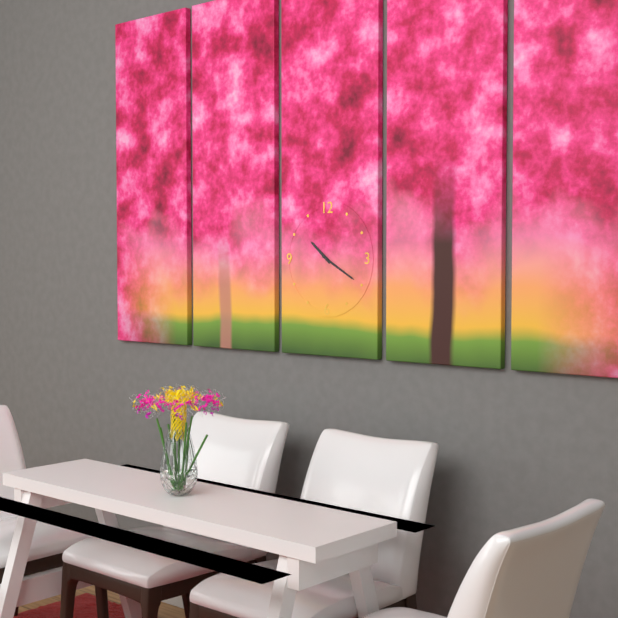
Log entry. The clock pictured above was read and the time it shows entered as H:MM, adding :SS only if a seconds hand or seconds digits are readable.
10:20
